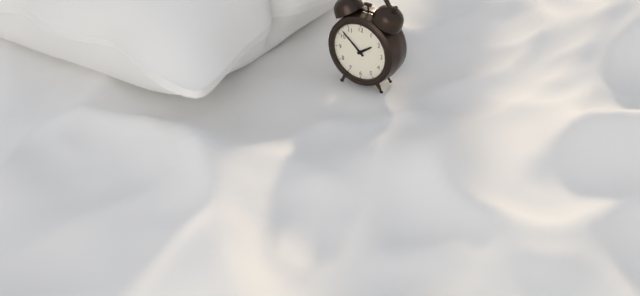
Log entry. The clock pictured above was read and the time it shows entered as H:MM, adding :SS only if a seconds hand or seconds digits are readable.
1:52
